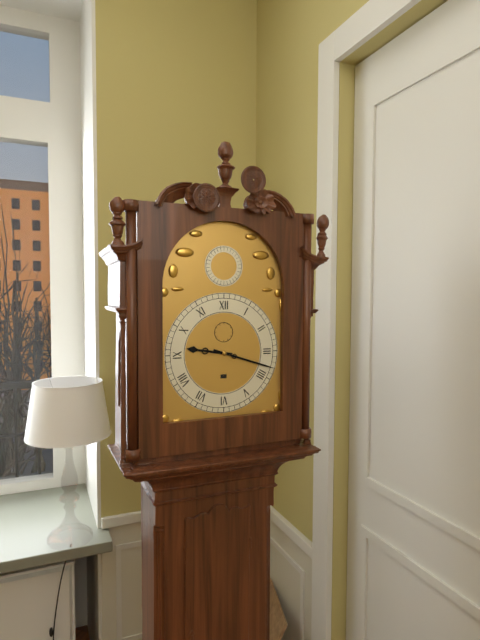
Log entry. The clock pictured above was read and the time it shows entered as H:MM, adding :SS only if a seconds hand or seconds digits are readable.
9:18
